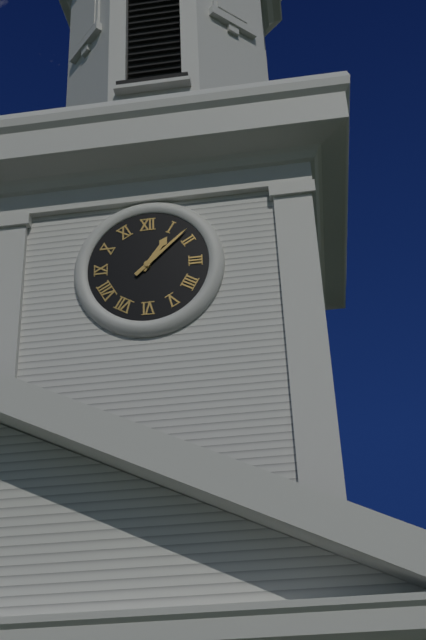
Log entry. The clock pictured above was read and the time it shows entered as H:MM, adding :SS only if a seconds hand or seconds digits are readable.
1:08
